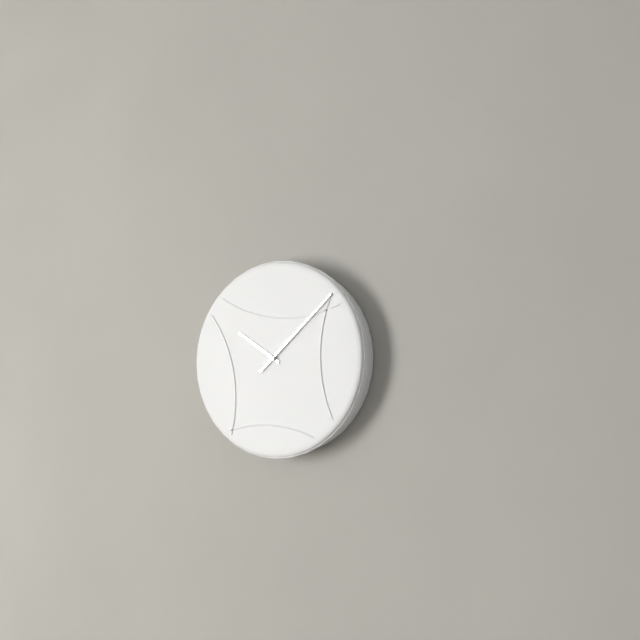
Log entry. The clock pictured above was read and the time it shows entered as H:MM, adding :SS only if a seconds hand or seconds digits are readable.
10:08
